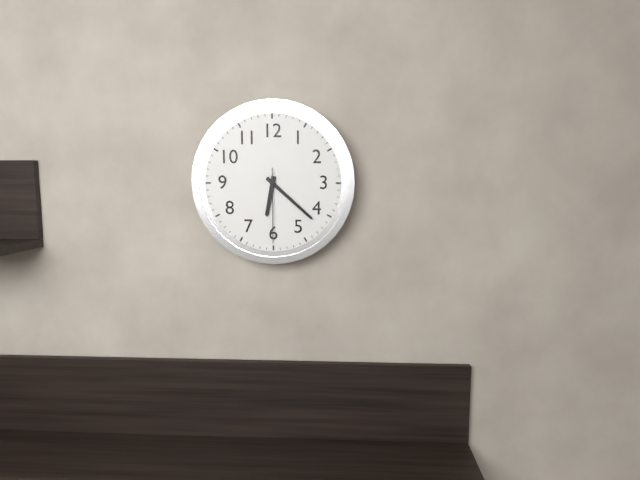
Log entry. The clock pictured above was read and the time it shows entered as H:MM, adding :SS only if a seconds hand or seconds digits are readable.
6:22:30
